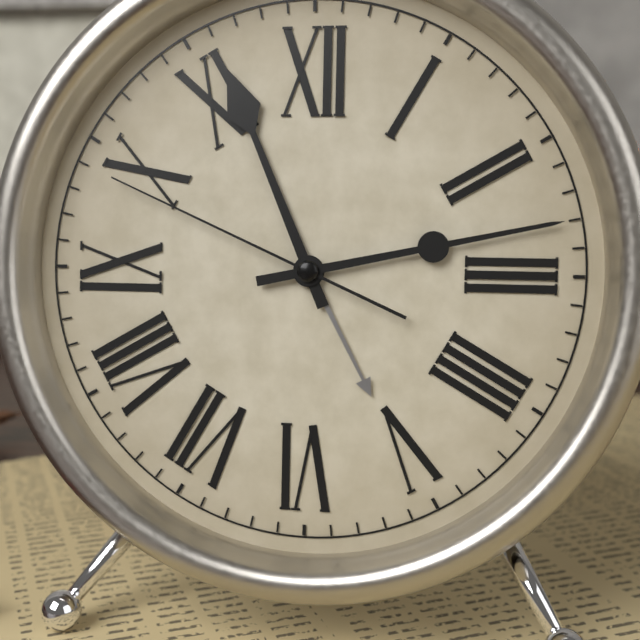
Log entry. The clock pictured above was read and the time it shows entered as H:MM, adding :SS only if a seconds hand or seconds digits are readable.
11:13:49
